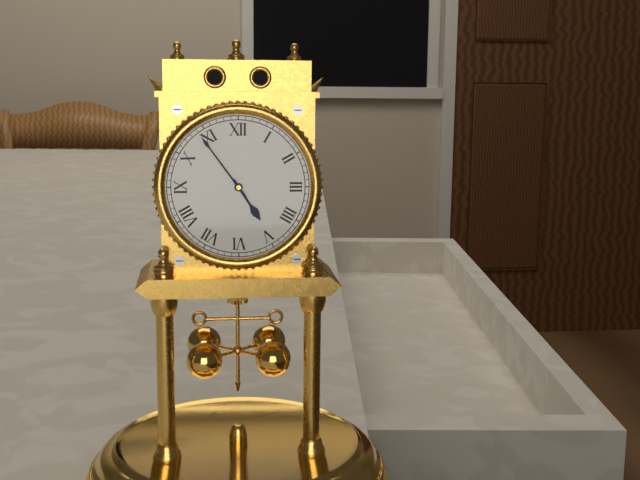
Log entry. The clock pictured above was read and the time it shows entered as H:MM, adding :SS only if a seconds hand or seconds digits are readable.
4:54
